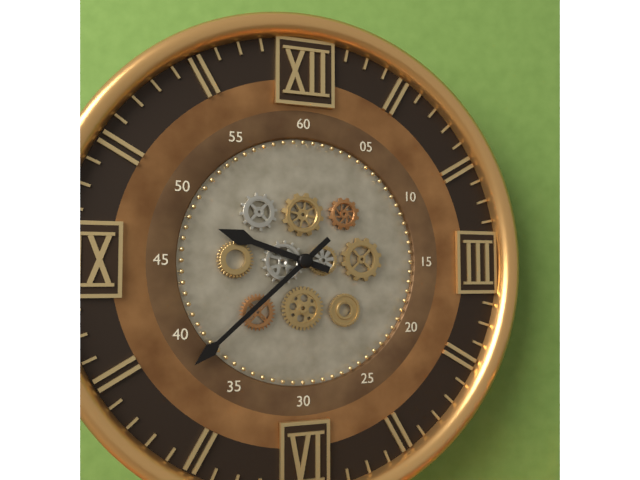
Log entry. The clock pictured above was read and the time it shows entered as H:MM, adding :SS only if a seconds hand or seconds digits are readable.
9:38
